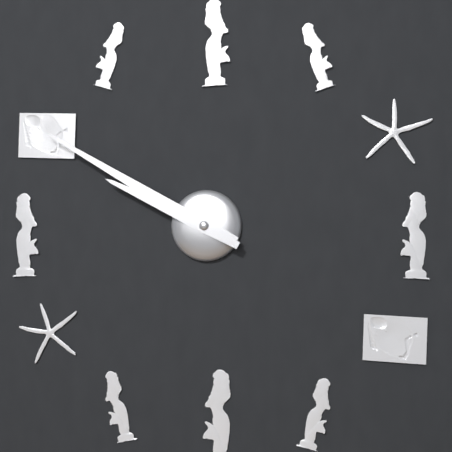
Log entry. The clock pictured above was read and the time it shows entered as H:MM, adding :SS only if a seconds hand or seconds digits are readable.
9:50
